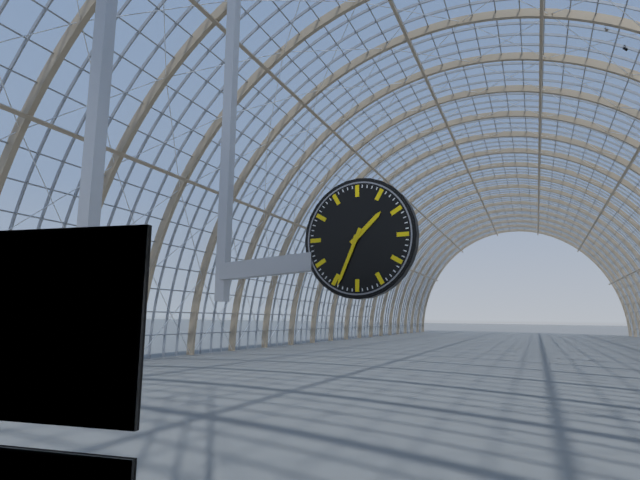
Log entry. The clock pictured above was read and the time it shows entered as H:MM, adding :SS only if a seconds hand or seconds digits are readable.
1:34
